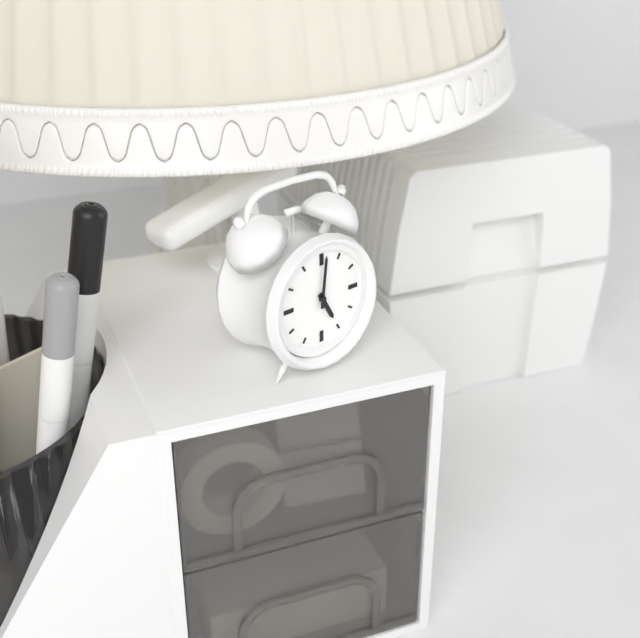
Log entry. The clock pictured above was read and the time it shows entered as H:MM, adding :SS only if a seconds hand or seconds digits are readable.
5:01
